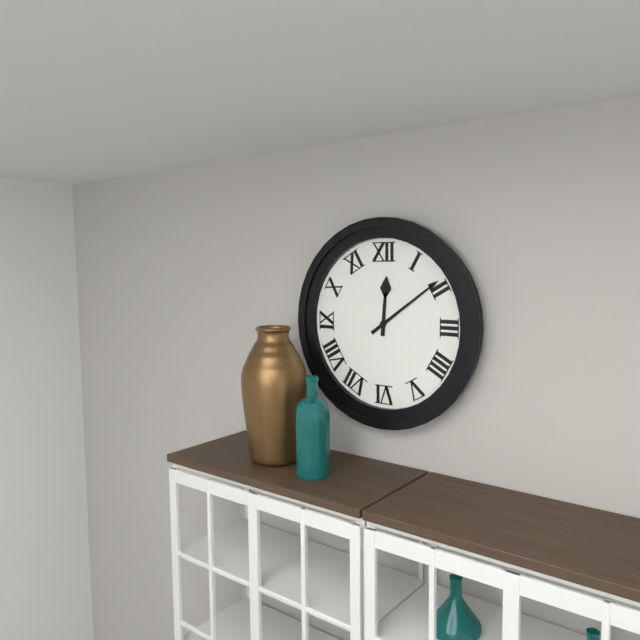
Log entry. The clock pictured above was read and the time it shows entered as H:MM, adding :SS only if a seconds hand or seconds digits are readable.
12:09
